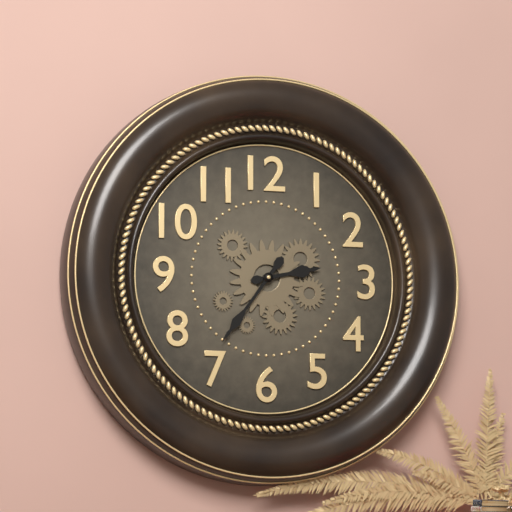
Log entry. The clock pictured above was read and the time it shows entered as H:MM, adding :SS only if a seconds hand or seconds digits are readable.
2:36
